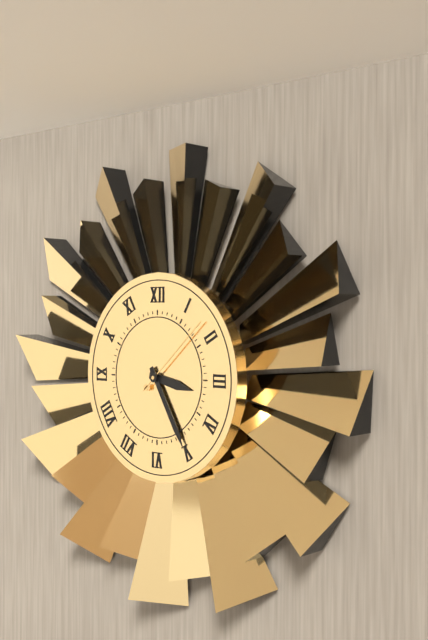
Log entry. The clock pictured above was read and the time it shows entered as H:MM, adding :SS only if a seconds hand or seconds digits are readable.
3:25:08
